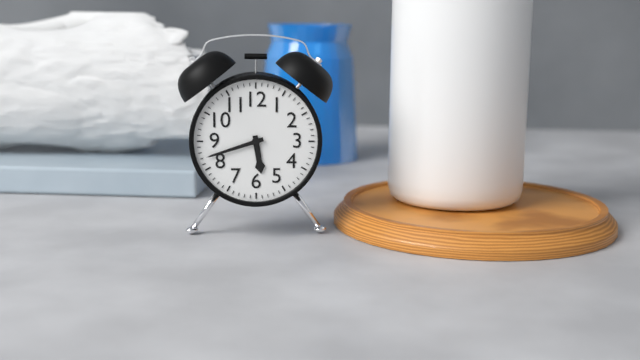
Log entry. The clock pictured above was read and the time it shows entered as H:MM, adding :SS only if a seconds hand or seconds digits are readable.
5:42
